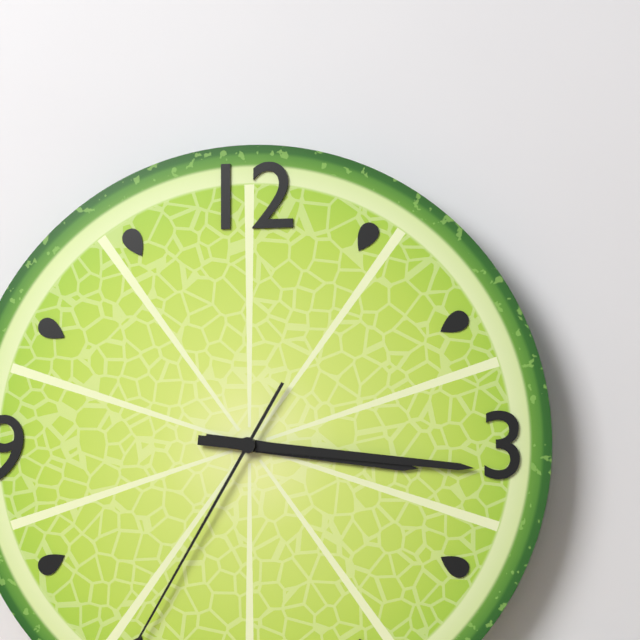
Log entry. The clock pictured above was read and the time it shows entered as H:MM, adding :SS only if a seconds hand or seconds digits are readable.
3:16
